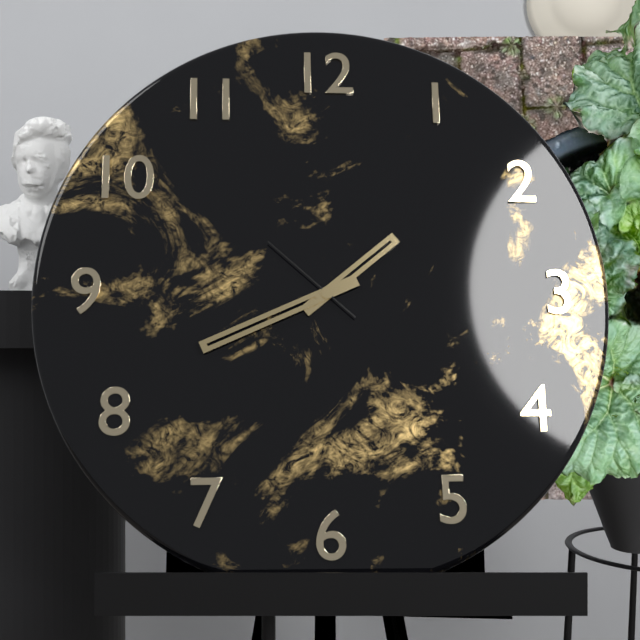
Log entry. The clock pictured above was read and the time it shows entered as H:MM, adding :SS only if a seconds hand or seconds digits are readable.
1:41:52
